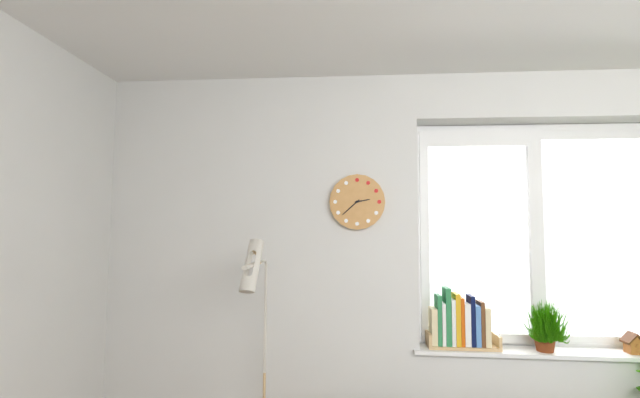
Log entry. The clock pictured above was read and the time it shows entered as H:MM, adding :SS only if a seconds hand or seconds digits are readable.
2:38
